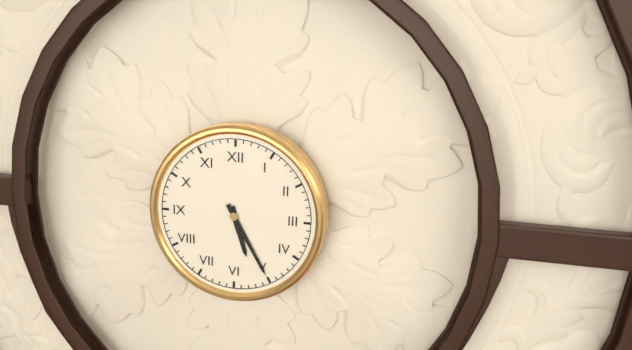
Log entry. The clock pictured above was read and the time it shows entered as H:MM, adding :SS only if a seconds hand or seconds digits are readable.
5:25
